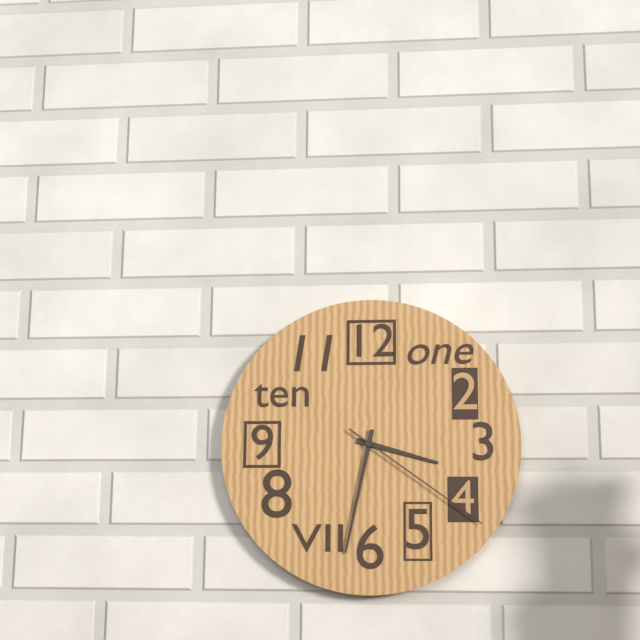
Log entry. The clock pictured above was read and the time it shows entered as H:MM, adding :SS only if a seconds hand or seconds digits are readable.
3:32:21
